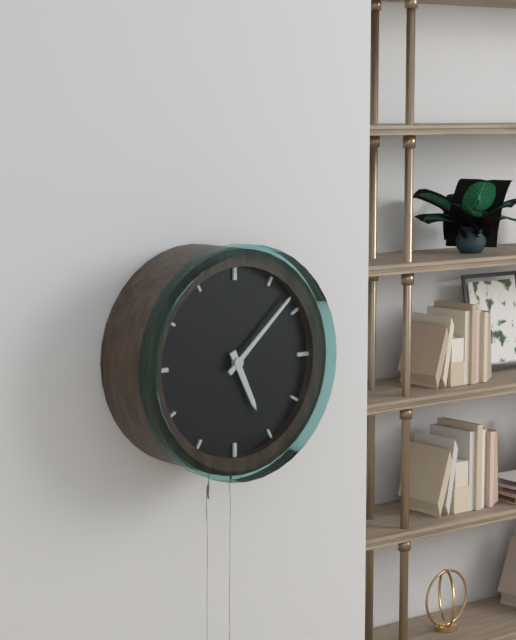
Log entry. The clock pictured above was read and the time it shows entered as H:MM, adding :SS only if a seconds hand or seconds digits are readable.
5:08
